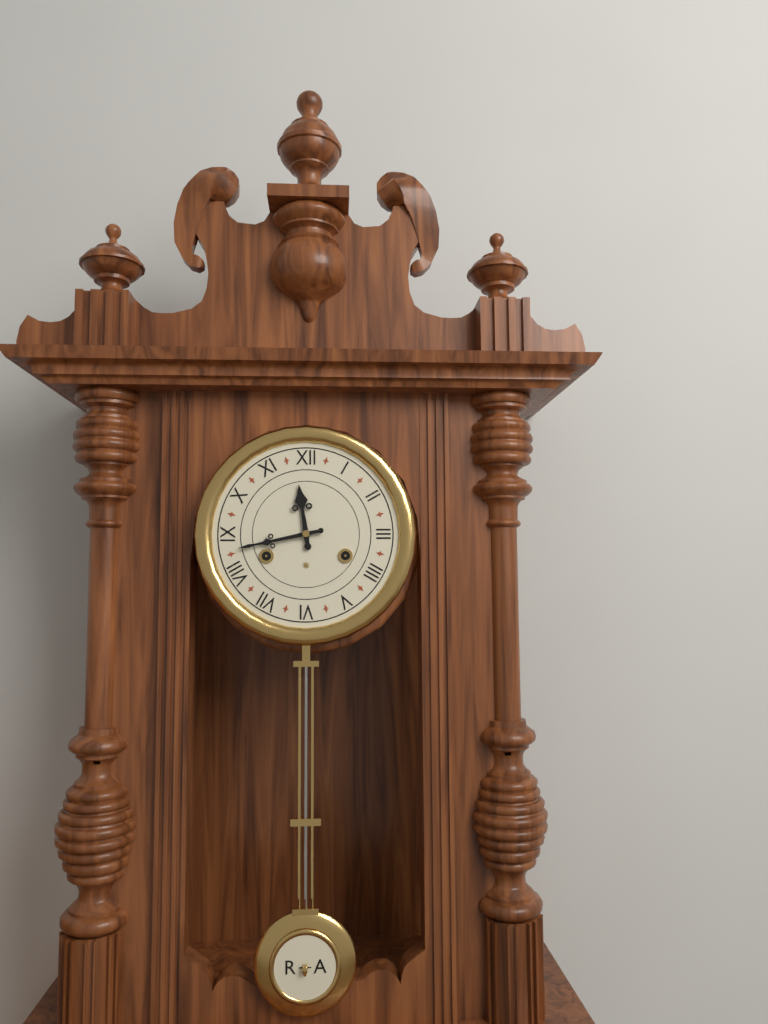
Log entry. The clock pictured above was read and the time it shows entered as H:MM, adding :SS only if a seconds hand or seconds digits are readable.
11:43
